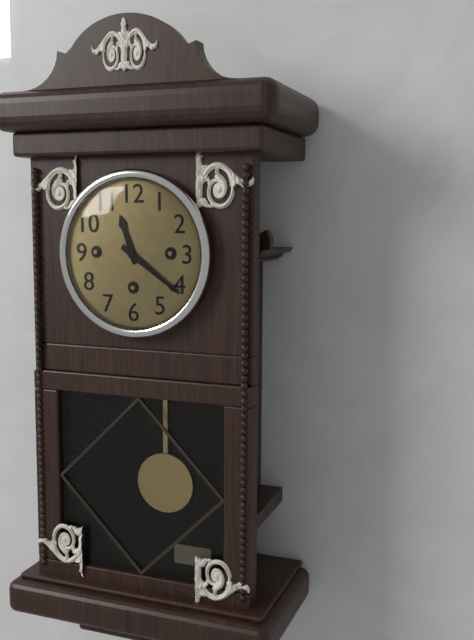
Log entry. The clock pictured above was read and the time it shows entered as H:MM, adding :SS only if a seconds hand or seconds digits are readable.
11:21
